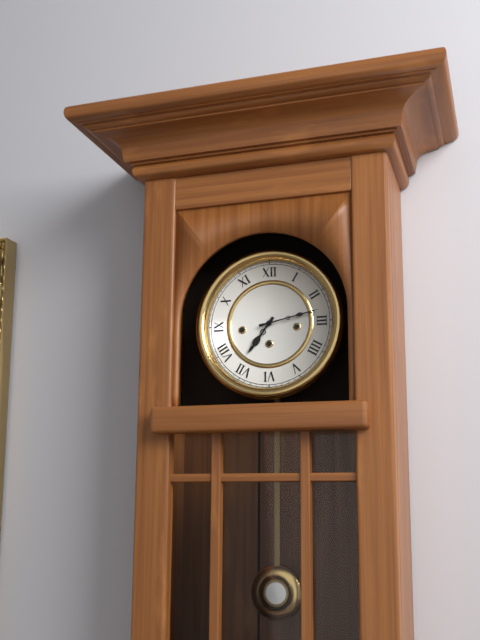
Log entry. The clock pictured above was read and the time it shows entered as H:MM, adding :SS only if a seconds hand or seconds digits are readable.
7:13
